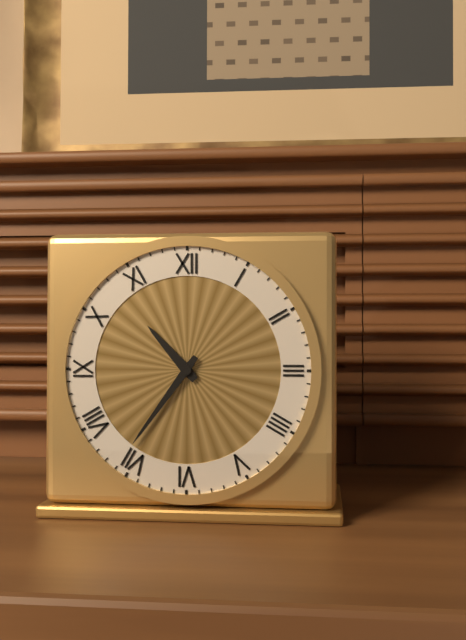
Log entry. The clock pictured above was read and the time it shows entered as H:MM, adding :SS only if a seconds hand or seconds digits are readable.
10:36
